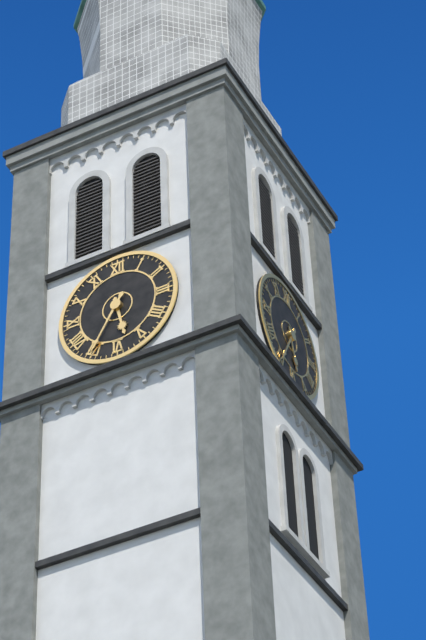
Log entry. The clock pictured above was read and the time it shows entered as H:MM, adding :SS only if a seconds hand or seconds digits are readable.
5:35
